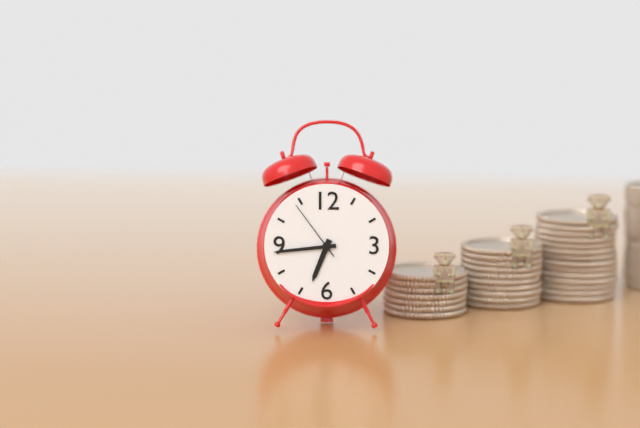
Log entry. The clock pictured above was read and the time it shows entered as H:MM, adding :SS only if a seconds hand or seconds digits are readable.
6:44:54
